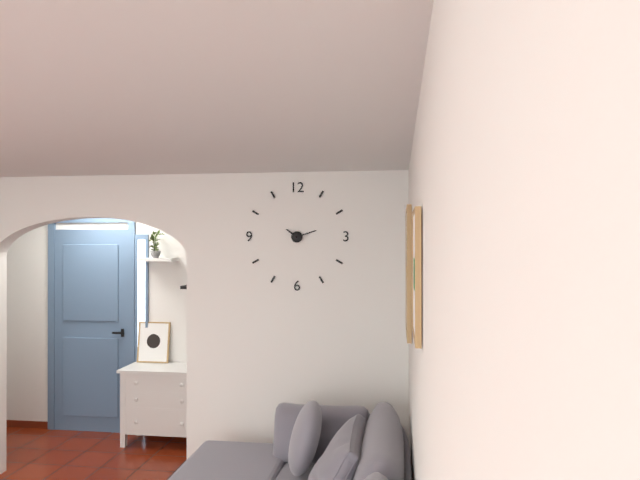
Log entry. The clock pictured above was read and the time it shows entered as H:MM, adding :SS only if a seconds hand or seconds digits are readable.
10:12
